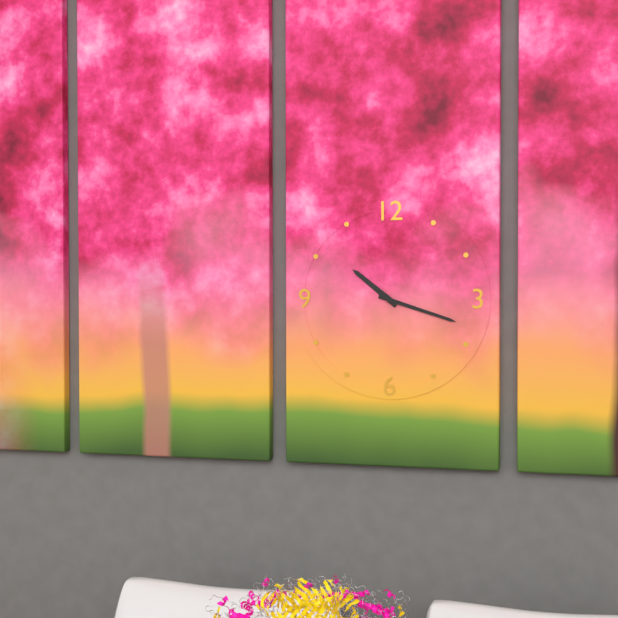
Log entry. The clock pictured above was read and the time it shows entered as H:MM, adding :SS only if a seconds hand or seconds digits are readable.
10:18
